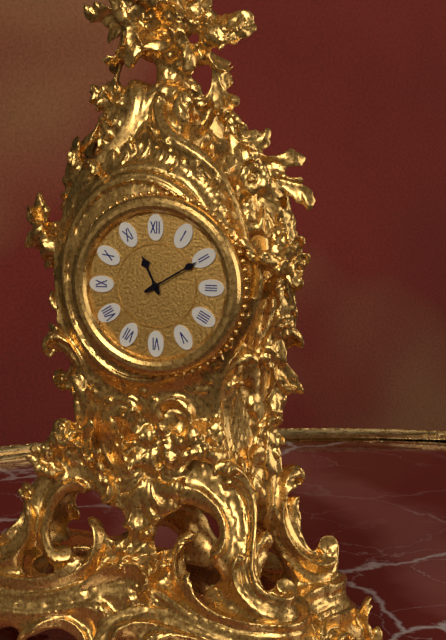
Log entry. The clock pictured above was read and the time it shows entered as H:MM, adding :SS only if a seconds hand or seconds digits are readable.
11:10
